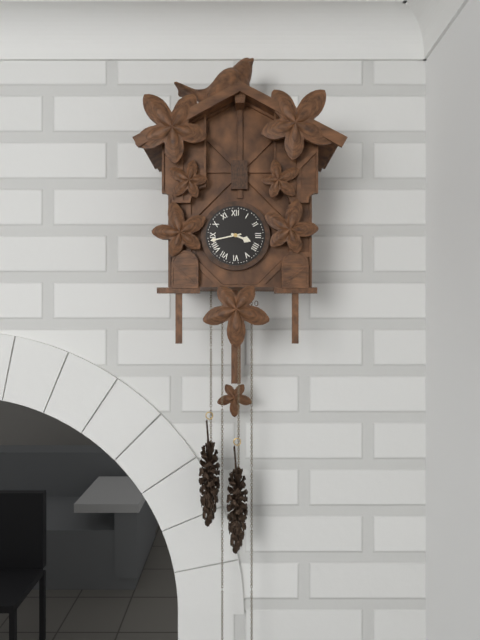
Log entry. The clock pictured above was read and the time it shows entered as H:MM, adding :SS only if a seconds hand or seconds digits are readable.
3:43
